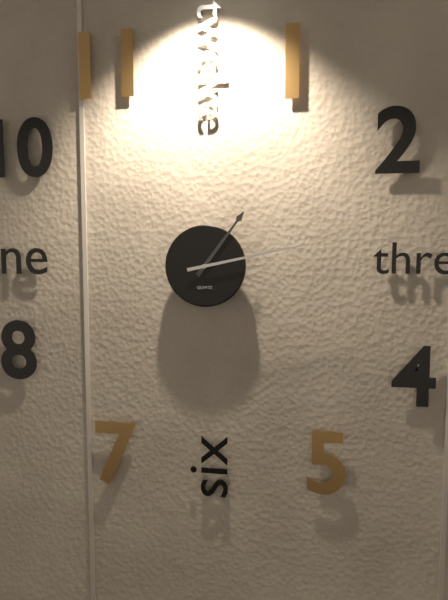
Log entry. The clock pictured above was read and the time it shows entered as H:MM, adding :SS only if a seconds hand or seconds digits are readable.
1:13
